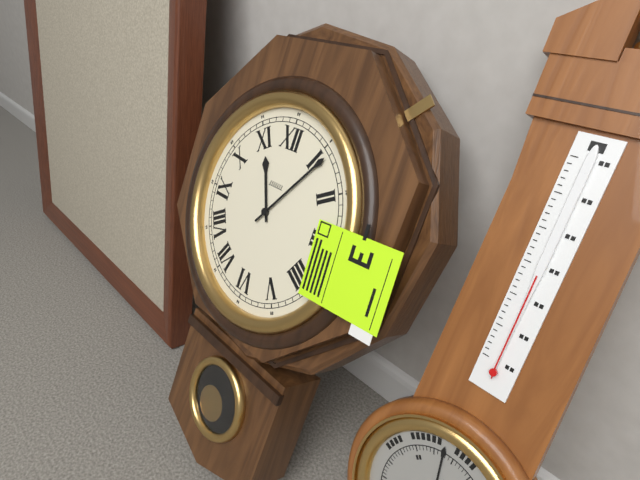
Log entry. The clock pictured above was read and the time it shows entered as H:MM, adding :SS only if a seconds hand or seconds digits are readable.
11:06
